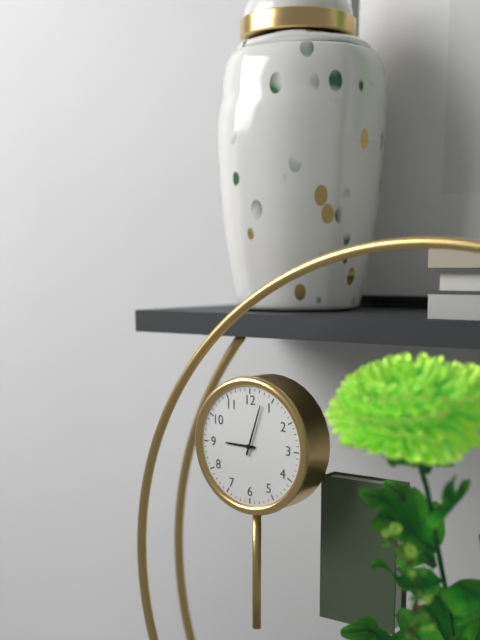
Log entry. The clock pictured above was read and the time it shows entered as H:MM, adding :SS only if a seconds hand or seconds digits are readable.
9:03
